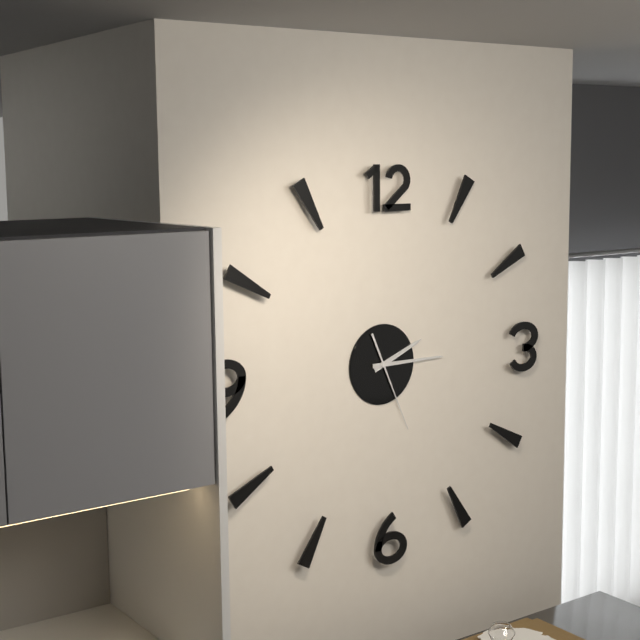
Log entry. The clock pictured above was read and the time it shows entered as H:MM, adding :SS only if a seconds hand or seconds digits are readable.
2:15:26
